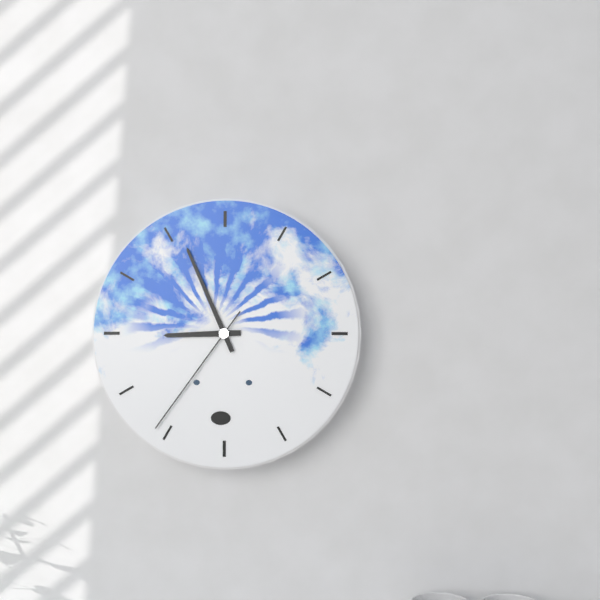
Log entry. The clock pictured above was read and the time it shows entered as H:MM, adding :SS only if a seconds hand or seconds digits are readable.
8:56:36
